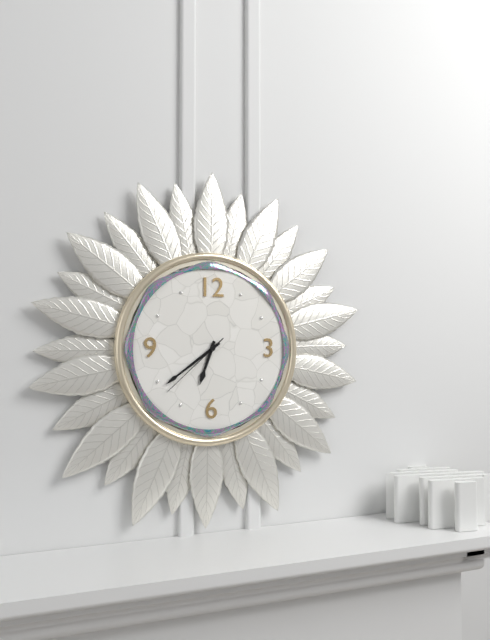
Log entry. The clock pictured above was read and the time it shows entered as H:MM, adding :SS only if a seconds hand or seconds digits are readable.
6:39:38
